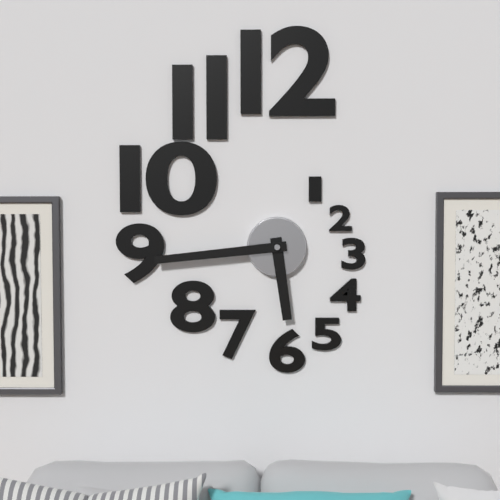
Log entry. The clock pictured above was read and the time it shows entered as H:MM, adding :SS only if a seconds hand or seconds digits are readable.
5:44
